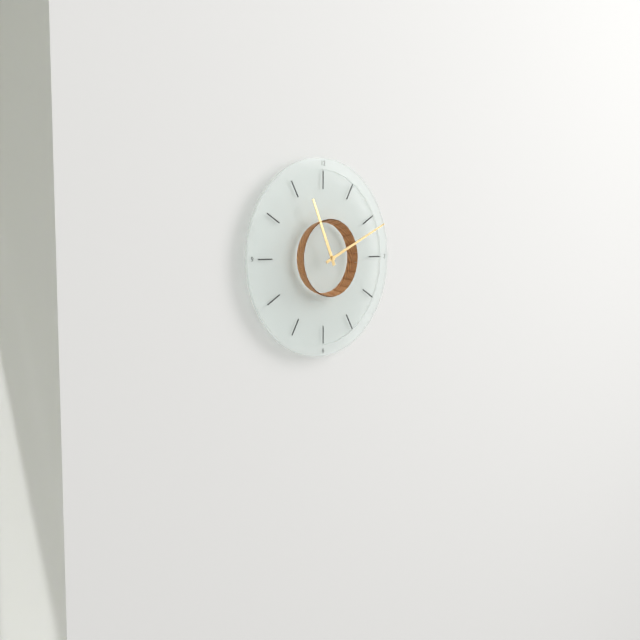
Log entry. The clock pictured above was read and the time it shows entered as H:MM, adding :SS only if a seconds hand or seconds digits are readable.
11:11
